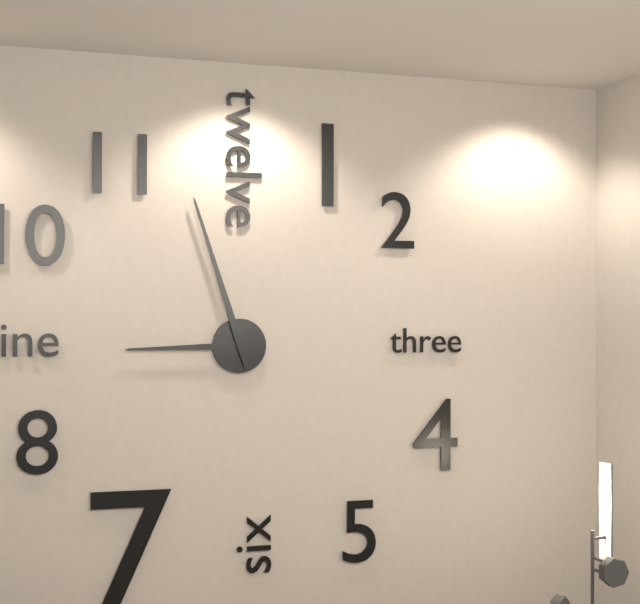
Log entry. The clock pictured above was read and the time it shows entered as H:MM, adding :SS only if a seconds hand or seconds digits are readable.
8:57
